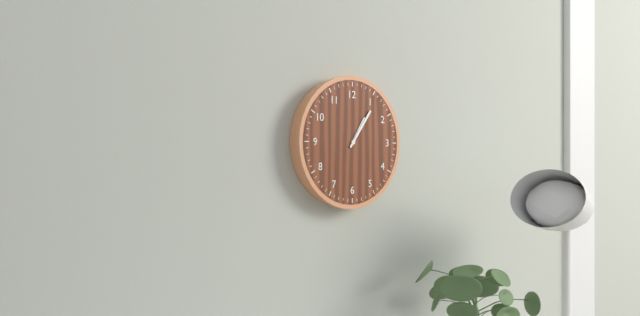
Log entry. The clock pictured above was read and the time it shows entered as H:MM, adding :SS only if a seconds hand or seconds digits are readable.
1:06
